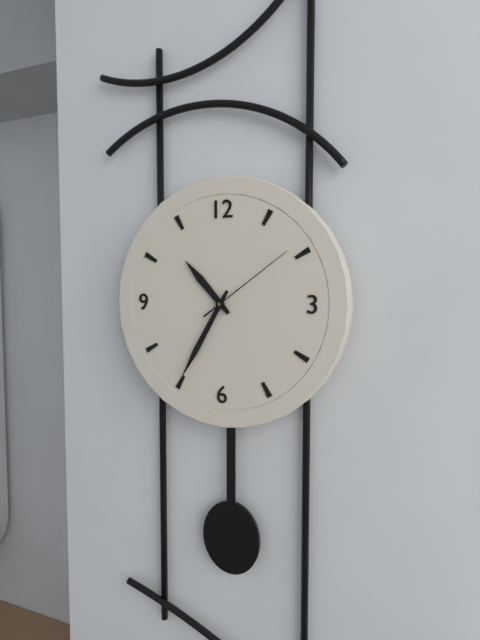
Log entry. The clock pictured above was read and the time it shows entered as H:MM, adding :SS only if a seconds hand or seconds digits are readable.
10:35:09
